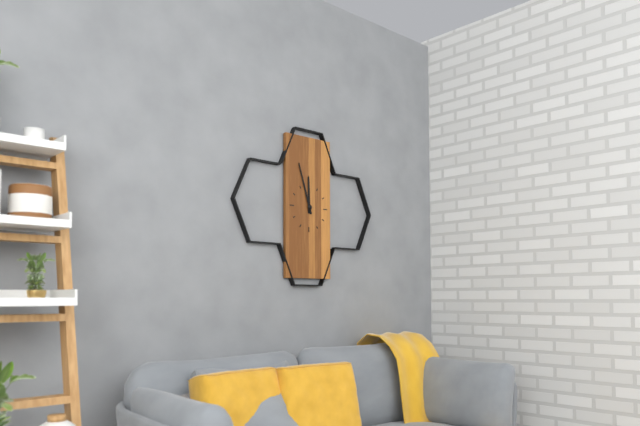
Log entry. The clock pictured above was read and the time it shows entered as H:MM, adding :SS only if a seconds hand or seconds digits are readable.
11:57
